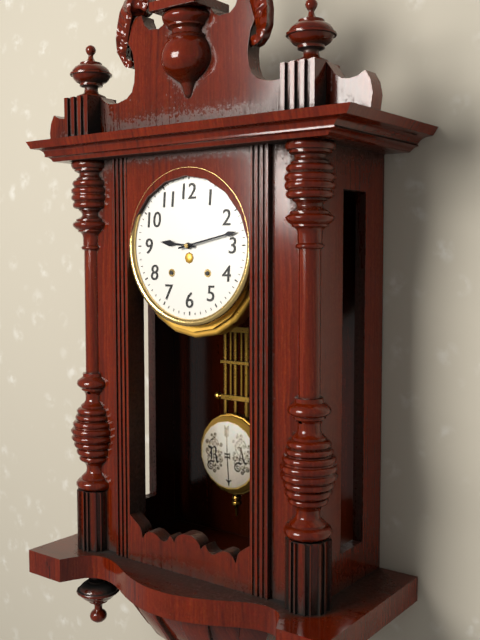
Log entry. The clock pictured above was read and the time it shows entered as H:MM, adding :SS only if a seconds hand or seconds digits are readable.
9:13
